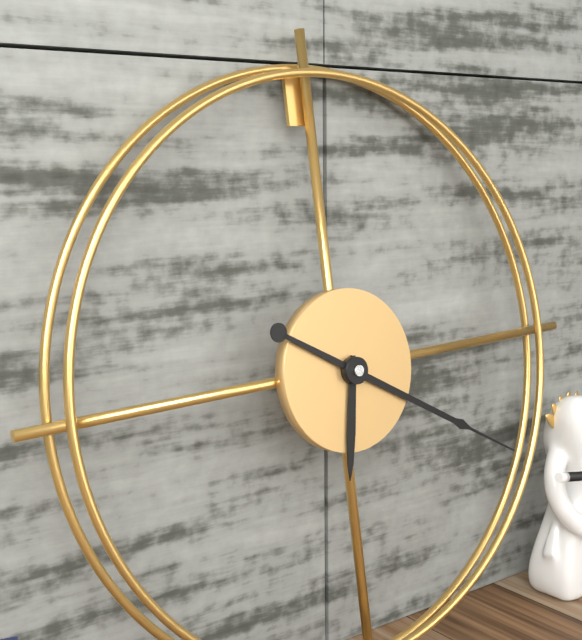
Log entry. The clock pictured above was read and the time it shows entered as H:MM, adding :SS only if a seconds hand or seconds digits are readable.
6:20
